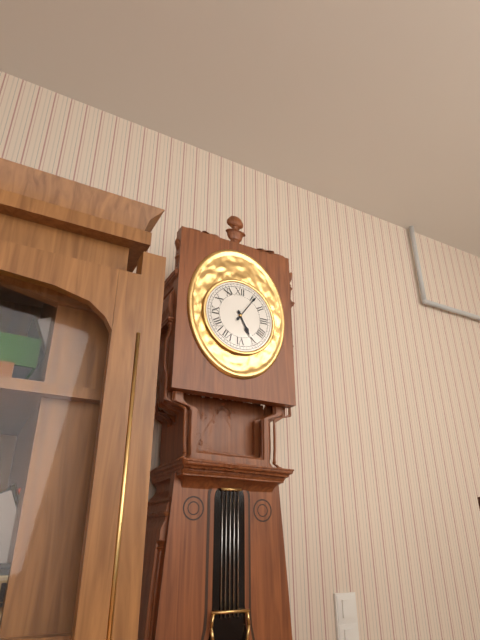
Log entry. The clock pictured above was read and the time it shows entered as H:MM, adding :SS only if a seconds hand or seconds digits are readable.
5:06
